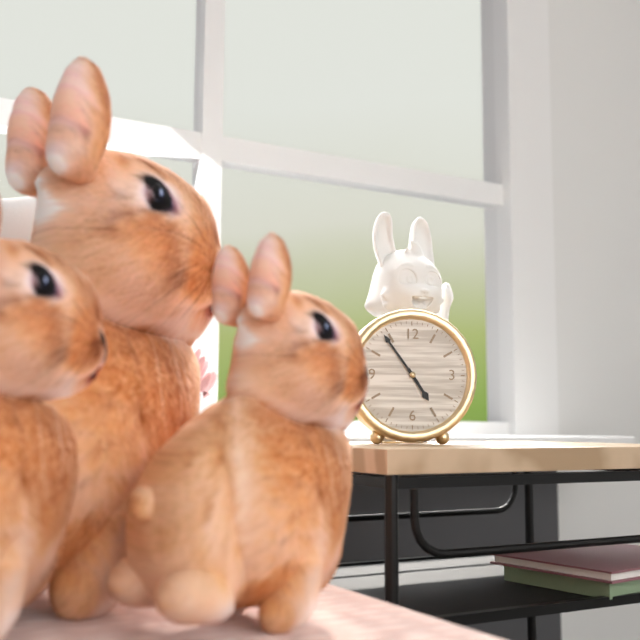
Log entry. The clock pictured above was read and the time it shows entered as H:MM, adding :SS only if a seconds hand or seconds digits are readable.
4:54
